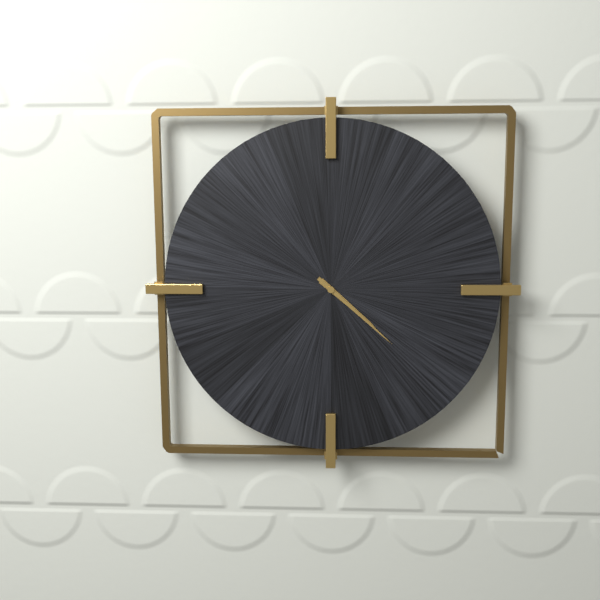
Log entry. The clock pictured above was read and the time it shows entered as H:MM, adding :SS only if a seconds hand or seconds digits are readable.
4:22
